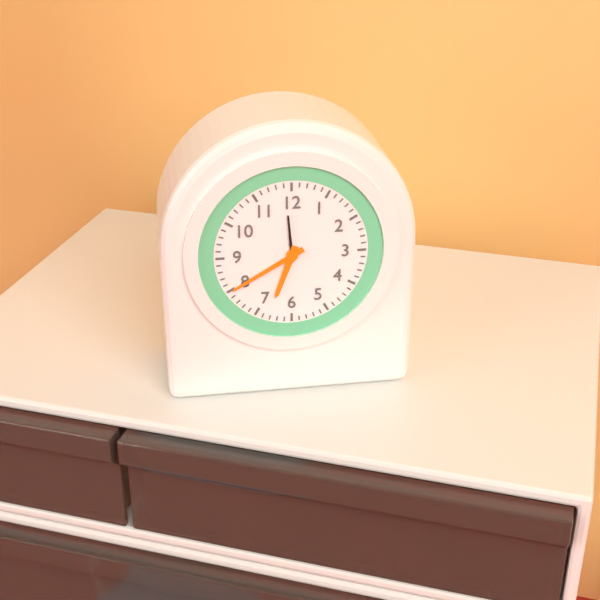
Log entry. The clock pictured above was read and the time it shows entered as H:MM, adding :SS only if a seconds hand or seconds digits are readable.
6:40
